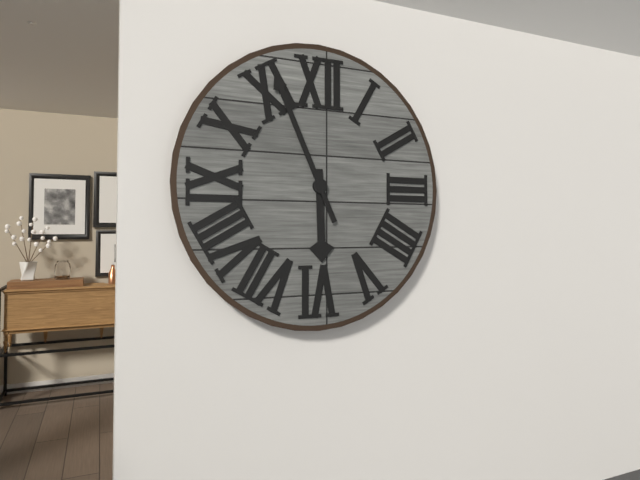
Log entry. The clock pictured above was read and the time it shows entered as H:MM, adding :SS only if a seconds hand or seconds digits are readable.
5:56
